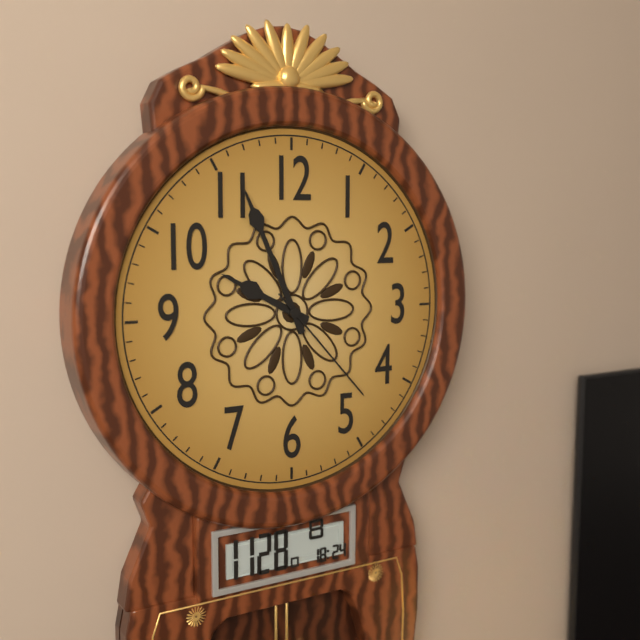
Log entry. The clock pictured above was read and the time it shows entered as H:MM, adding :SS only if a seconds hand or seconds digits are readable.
9:56:23
